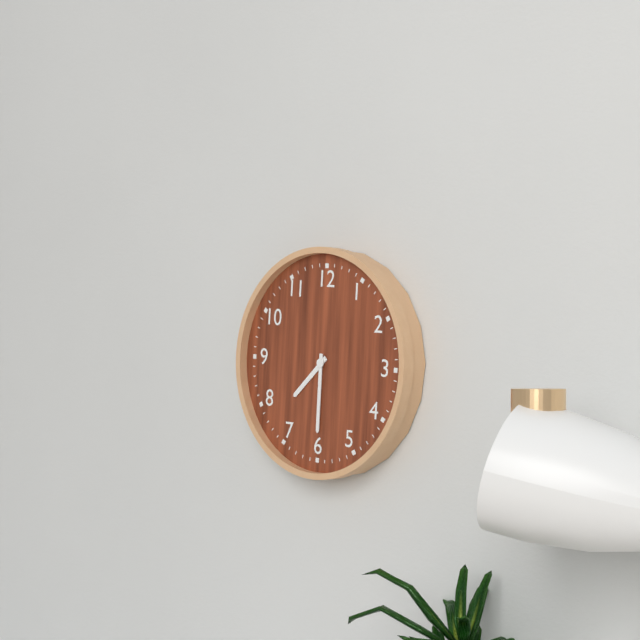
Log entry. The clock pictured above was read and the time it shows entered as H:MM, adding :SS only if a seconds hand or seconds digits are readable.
7:30
